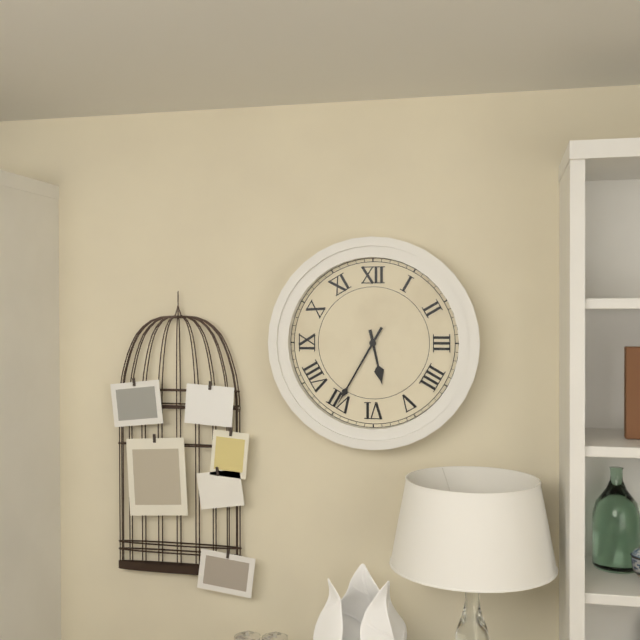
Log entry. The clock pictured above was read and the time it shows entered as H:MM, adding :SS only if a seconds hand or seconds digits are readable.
5:35
